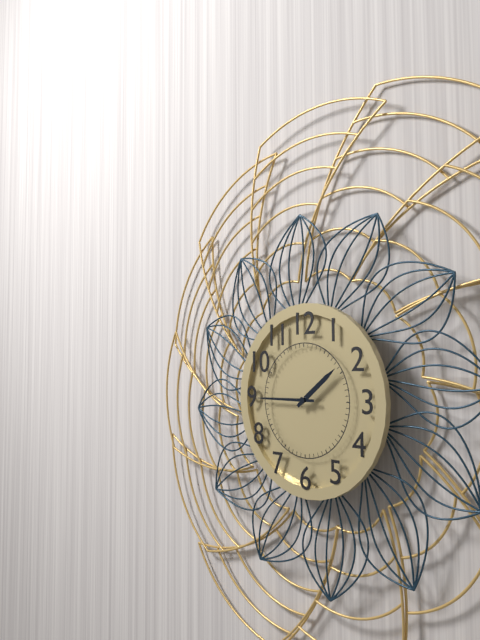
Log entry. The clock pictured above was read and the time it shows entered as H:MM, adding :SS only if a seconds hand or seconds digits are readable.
1:45
